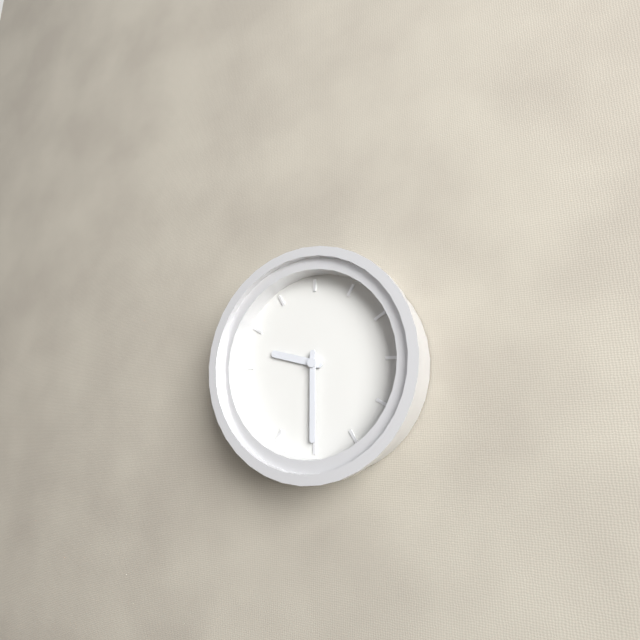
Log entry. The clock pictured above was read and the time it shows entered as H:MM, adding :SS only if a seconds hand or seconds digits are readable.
9:30
